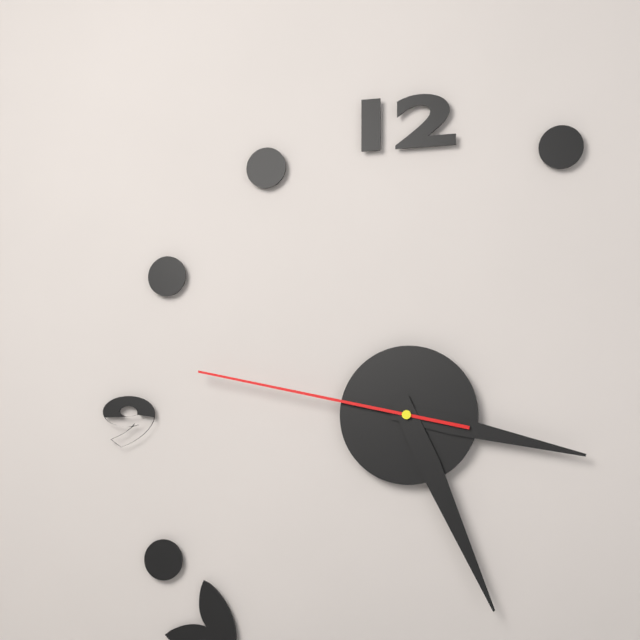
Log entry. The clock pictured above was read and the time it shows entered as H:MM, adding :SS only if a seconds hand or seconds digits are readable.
3:26:47
